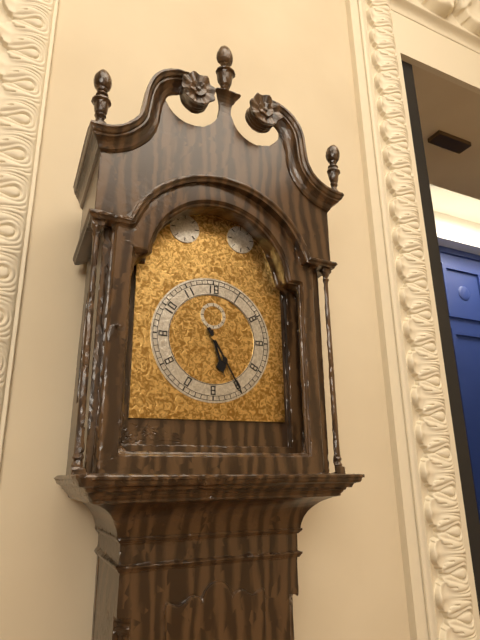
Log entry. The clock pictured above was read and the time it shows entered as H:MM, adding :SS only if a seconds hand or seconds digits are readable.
5:25
